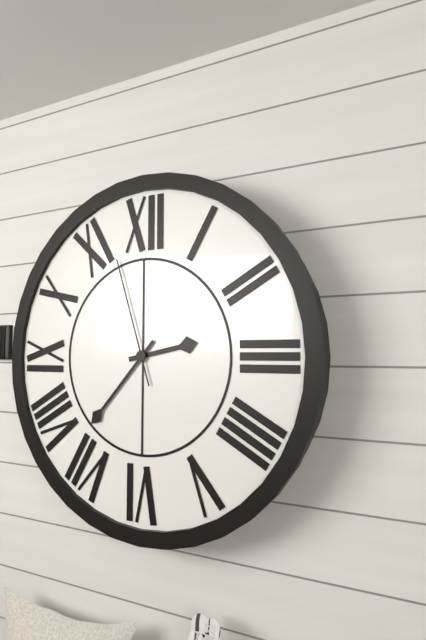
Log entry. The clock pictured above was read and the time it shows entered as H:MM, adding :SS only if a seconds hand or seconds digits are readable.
2:37:57
